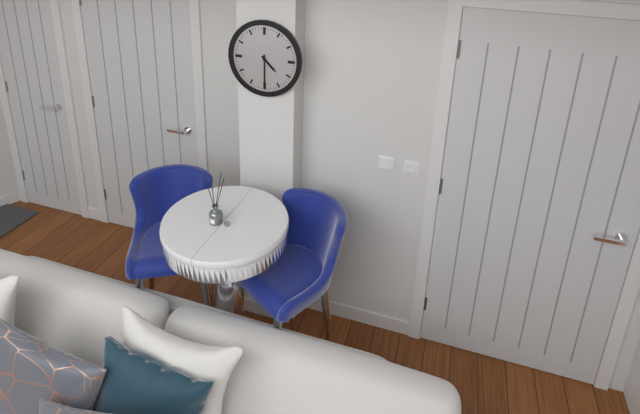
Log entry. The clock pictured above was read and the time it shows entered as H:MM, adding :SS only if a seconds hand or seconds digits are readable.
4:30
